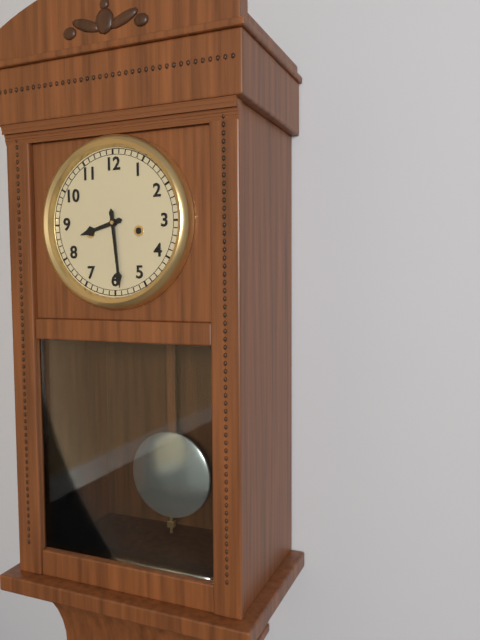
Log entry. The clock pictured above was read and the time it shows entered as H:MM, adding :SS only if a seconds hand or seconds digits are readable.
8:29
